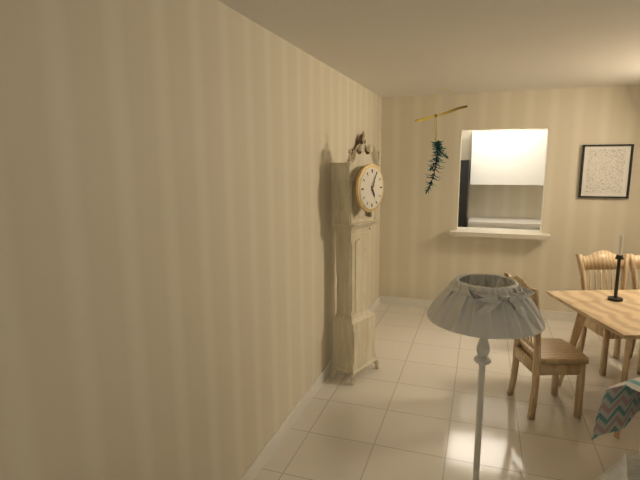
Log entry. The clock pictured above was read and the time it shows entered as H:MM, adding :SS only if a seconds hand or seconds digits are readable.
5:04
